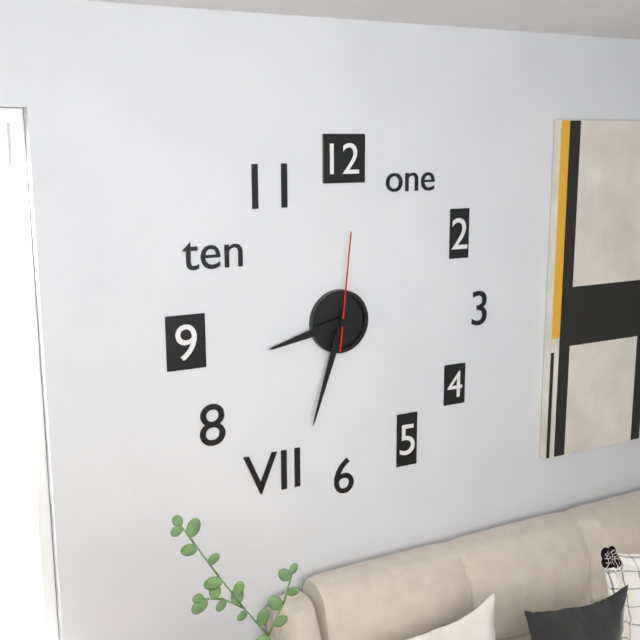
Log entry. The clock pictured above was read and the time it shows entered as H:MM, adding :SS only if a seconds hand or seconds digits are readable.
8:33:01
